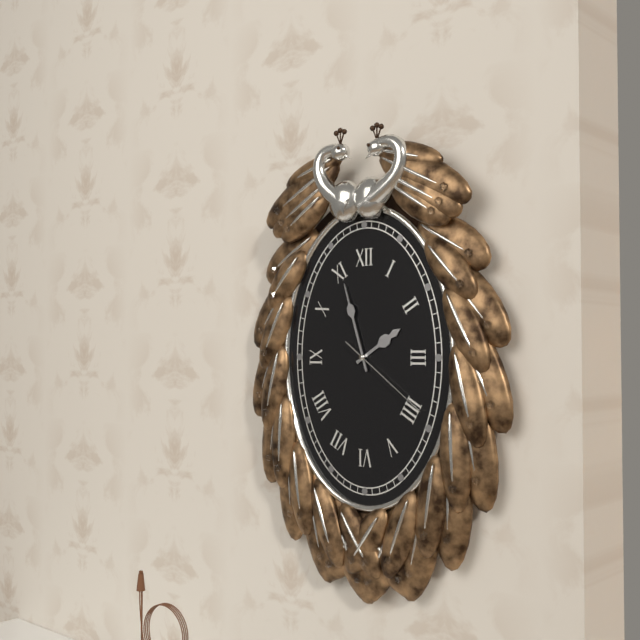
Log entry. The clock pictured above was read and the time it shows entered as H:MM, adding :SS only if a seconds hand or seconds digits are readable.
1:57:21
